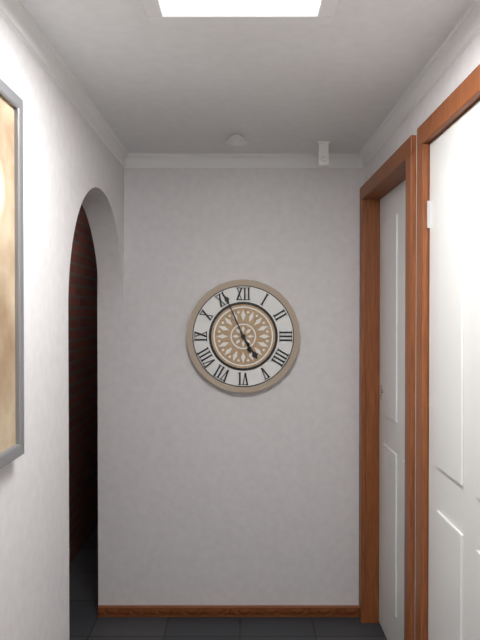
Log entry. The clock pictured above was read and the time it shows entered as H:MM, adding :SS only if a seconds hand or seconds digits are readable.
4:56
